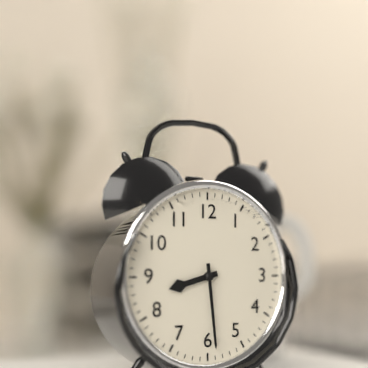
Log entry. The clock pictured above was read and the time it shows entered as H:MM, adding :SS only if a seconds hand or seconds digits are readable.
8:29
